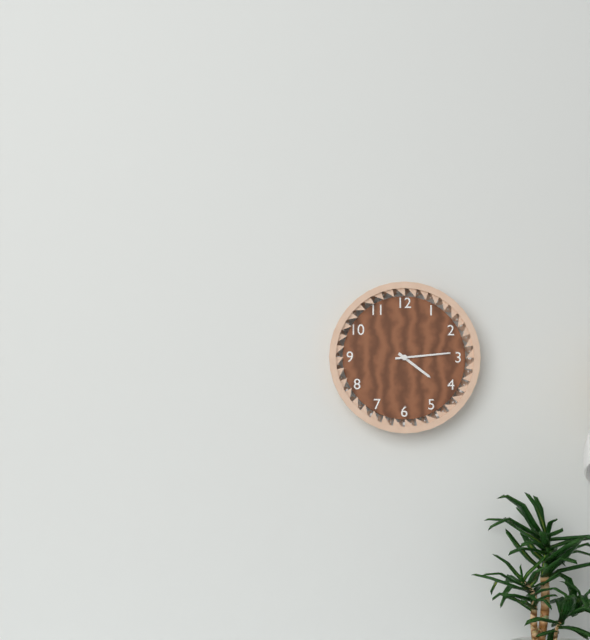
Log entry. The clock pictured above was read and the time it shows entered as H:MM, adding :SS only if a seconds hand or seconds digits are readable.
4:14
